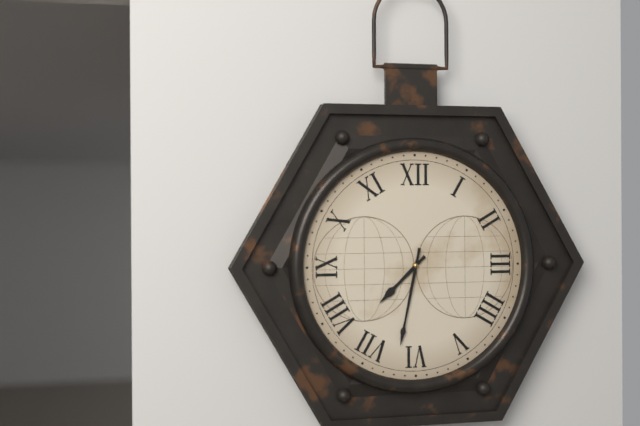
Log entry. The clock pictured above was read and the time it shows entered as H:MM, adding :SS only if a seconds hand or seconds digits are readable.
7:32
